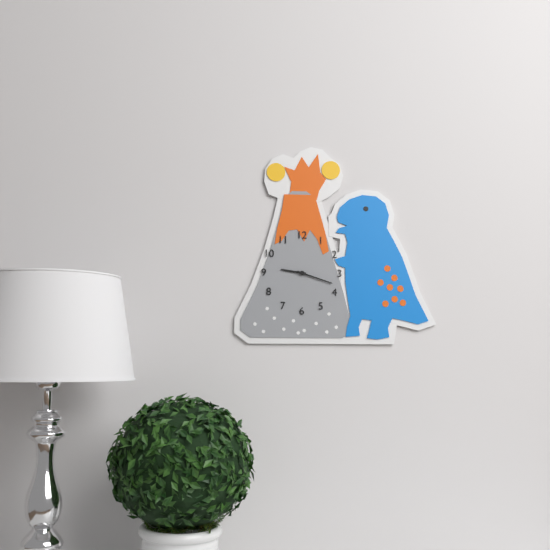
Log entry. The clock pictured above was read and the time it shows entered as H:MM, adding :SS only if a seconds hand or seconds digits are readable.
9:18
